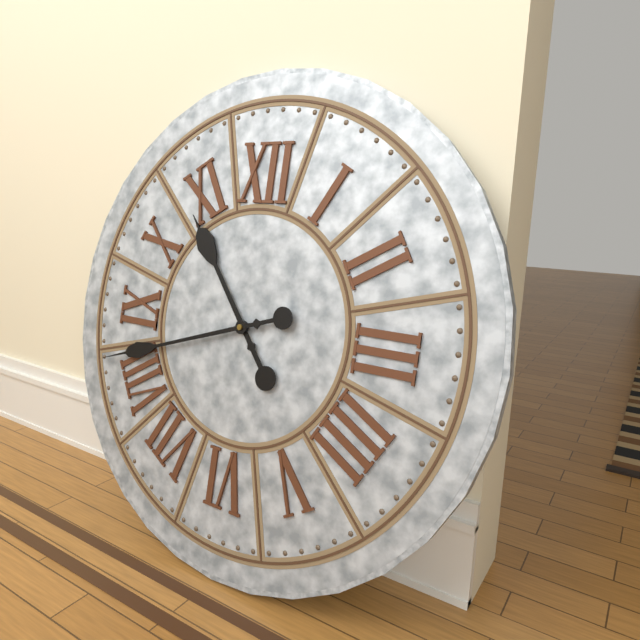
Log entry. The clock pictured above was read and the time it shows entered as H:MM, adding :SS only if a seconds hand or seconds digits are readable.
10:42
